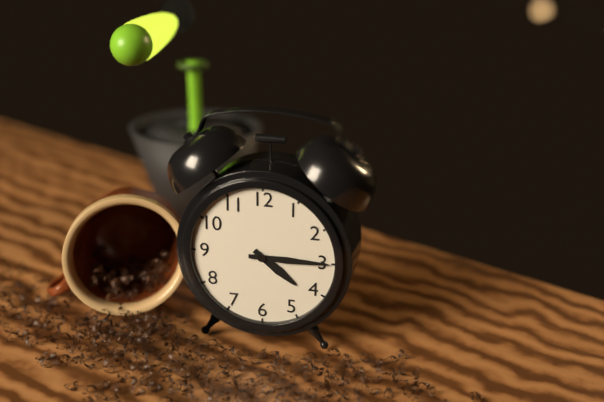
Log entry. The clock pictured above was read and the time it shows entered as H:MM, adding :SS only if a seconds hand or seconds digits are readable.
4:15
